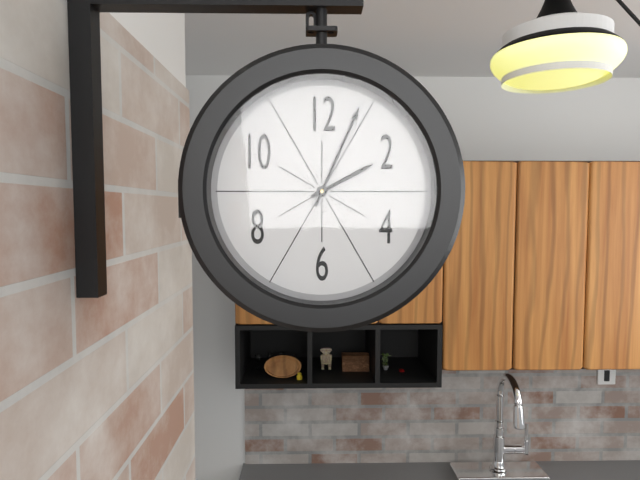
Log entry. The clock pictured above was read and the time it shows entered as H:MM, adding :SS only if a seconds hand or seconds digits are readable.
2:04
